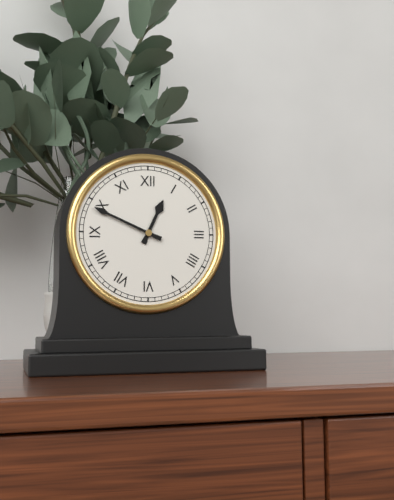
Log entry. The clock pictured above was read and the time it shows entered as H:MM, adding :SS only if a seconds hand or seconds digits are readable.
12:49
